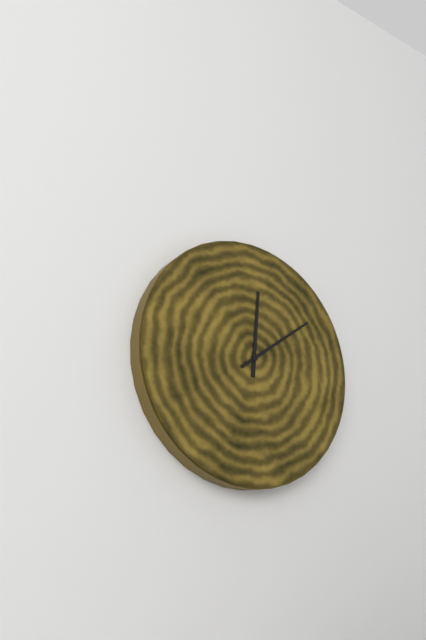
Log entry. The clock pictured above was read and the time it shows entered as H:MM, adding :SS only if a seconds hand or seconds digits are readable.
12:09
